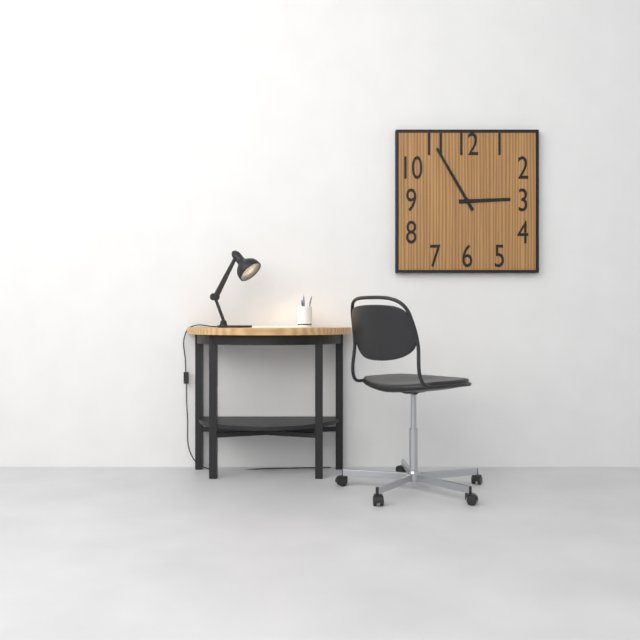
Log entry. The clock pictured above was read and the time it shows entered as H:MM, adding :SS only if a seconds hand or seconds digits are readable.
2:55
